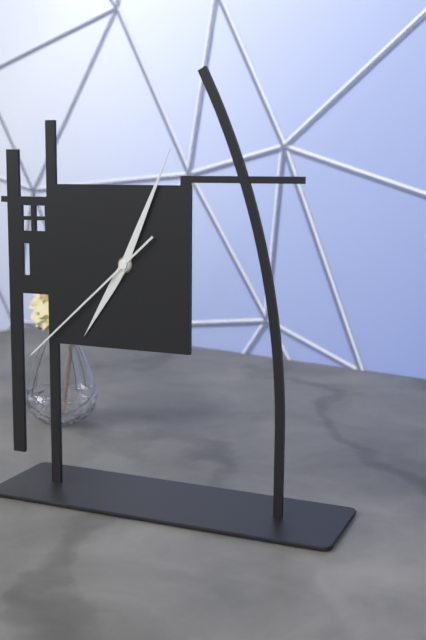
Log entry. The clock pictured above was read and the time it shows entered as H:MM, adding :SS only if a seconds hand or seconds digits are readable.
7:04:38
